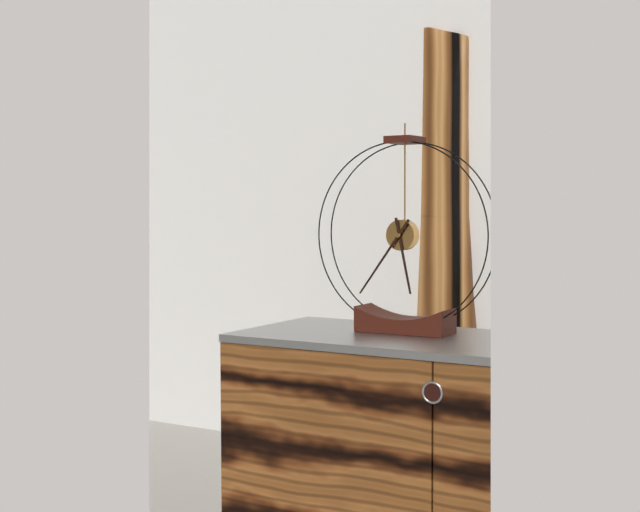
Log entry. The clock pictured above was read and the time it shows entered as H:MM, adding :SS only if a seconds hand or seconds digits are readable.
5:36
